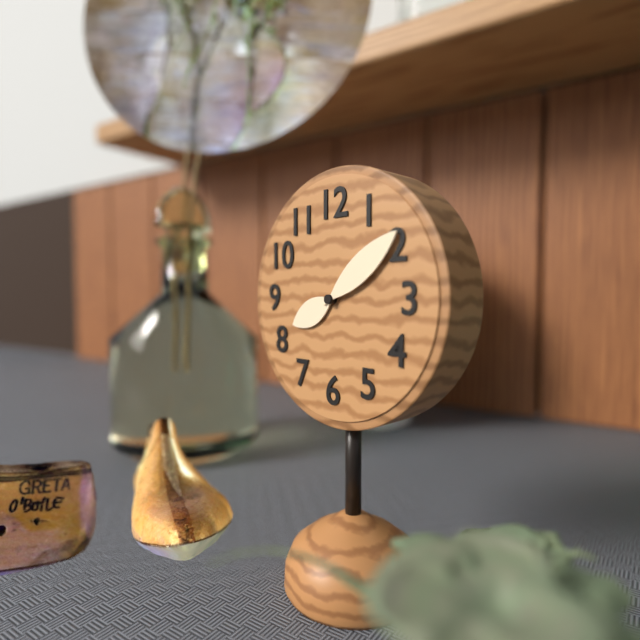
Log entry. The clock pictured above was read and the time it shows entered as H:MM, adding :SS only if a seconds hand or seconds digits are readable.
8:09
